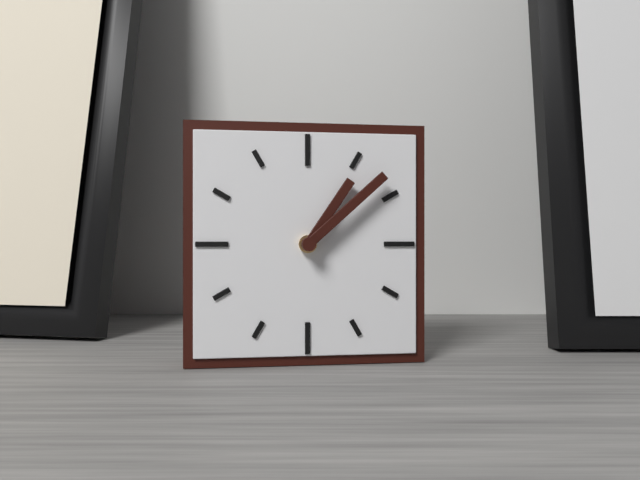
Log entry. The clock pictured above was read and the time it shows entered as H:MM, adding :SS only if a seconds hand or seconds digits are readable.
1:08
